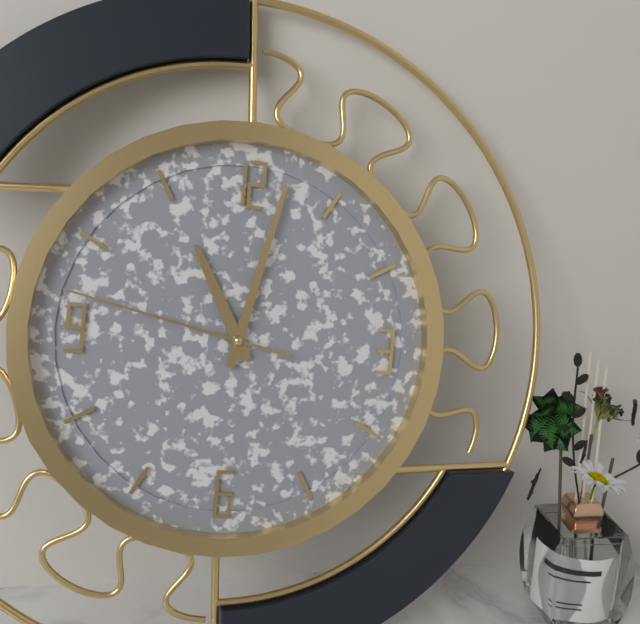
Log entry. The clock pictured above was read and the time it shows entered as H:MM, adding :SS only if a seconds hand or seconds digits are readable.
11:02:47
